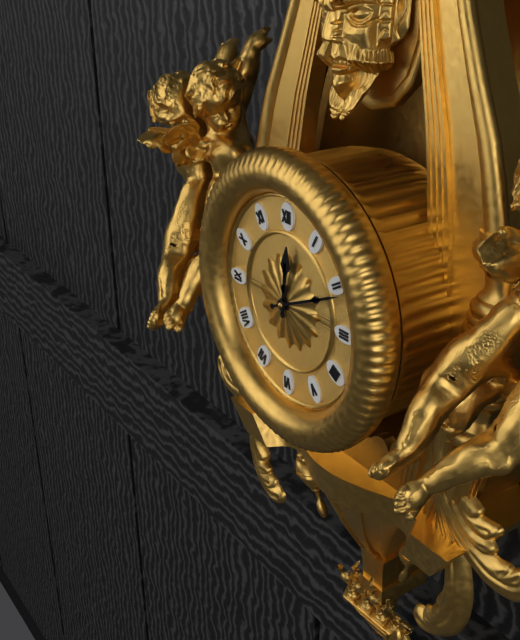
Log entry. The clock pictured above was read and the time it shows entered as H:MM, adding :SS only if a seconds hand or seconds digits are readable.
12:11
